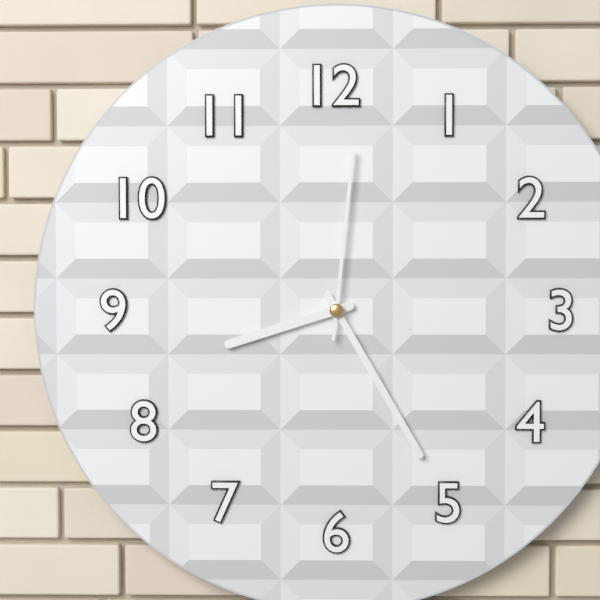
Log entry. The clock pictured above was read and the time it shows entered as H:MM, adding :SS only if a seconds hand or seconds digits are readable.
8:25:01
